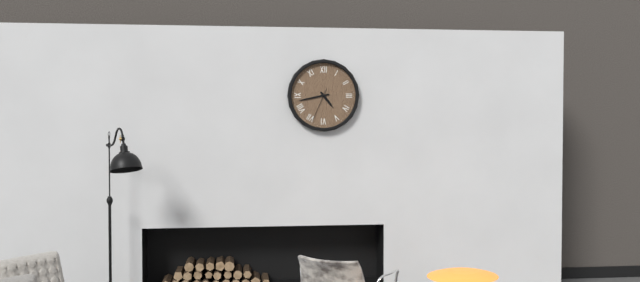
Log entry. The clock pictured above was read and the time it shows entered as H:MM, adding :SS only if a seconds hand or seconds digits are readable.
4:43
